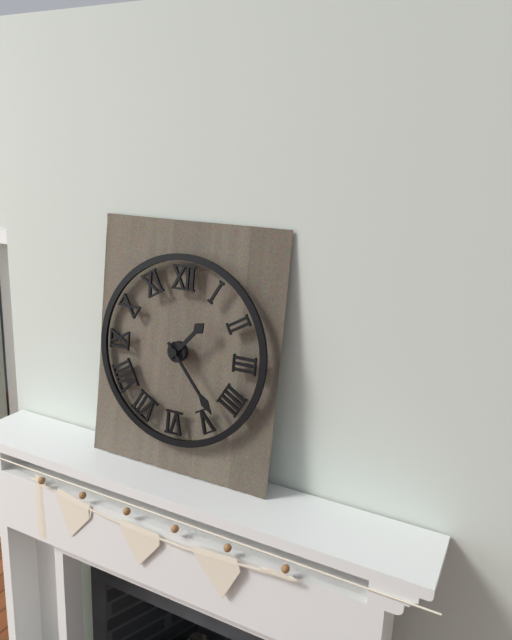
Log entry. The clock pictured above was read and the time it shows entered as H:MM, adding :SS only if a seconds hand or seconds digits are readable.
1:23
